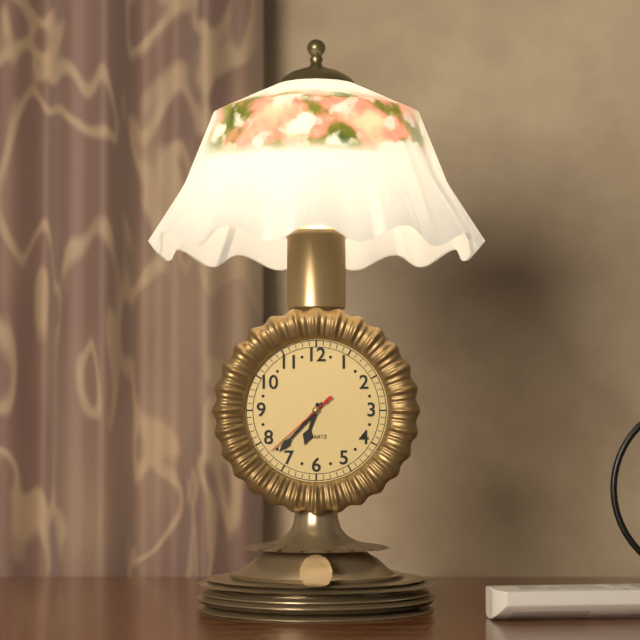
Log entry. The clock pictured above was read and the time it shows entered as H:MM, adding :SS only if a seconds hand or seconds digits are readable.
6:37:38
